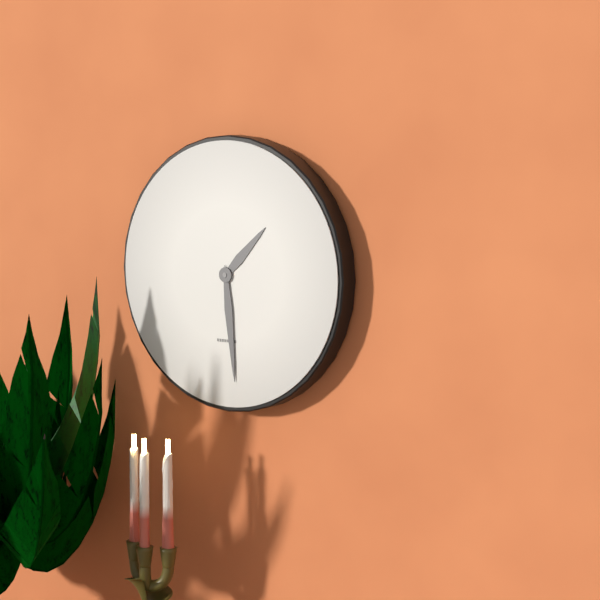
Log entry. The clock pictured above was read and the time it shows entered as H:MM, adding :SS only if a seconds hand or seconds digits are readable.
1:29
